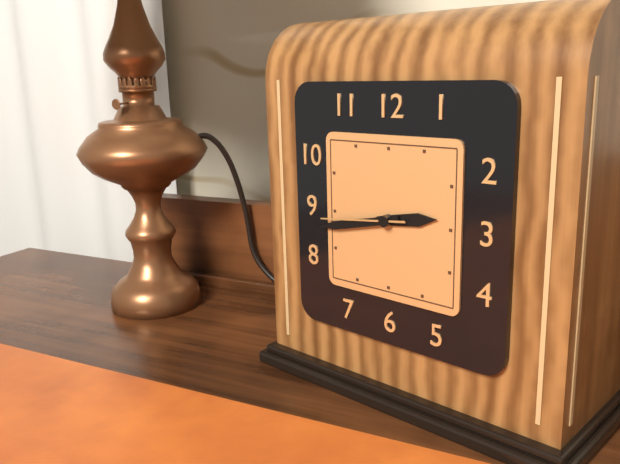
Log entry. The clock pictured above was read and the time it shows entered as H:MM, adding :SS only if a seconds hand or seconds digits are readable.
2:43:44
